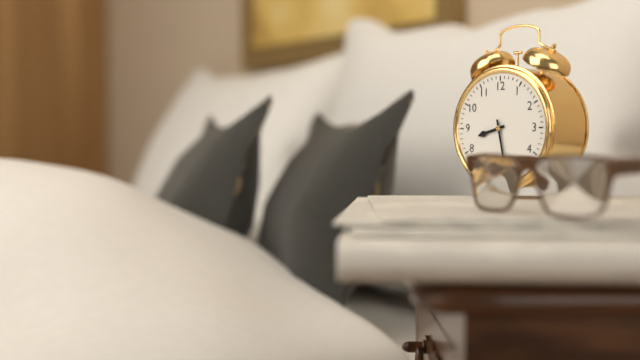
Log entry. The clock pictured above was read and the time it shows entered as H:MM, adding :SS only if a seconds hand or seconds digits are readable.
8:28
